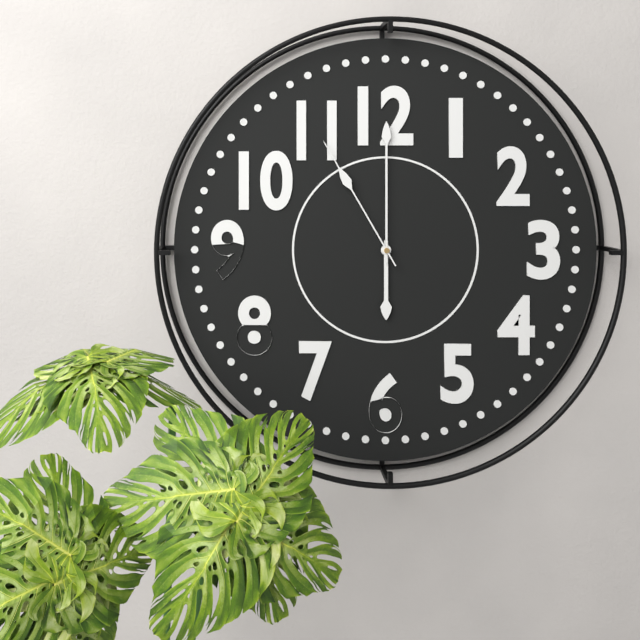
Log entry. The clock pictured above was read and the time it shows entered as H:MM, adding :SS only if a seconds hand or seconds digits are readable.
6:00:55
